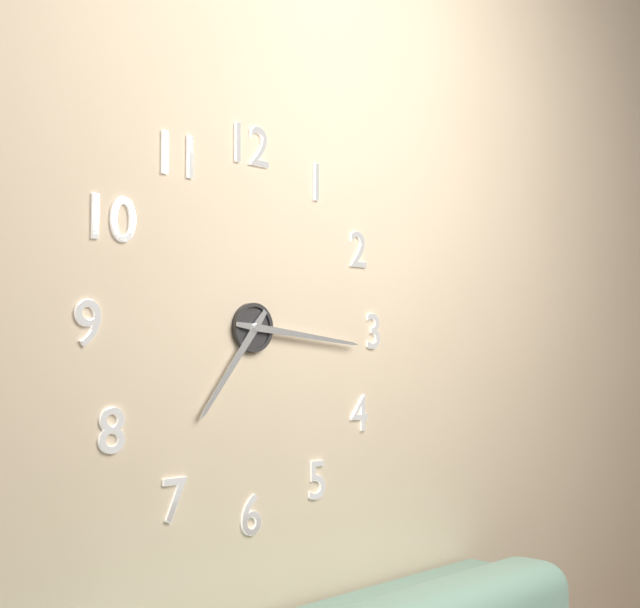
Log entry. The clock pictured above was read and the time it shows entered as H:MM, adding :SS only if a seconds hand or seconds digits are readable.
7:16
